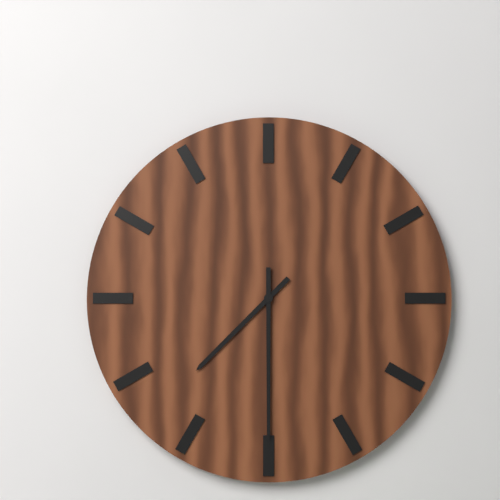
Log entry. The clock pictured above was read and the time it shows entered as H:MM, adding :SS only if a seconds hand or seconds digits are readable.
7:30
